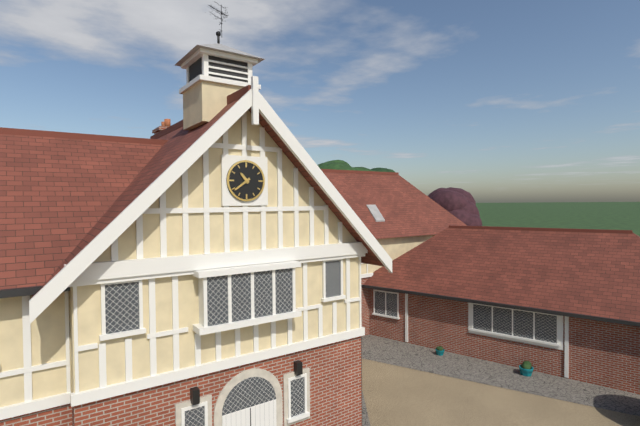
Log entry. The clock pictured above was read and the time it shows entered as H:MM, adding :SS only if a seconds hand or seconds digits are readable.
10:39
